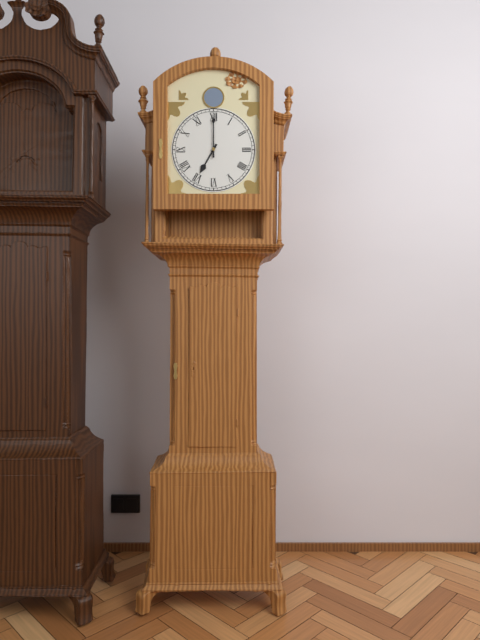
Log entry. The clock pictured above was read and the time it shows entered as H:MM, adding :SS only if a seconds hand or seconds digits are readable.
7:00
